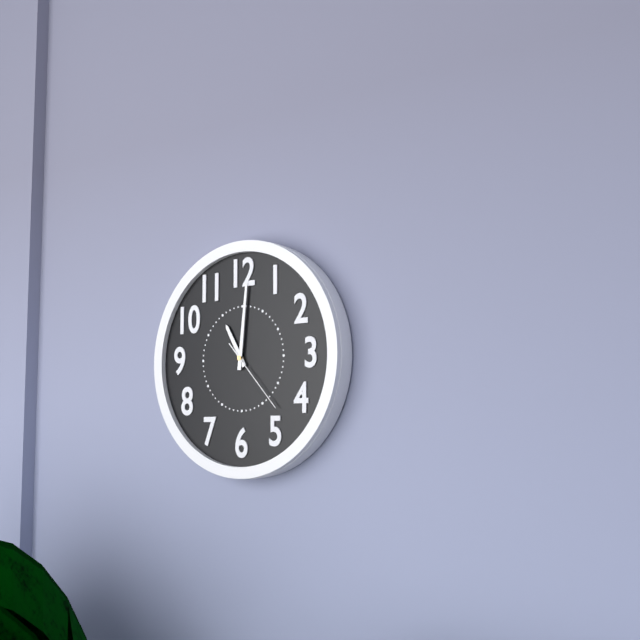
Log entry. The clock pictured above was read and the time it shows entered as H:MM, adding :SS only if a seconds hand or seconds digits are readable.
11:01:23
